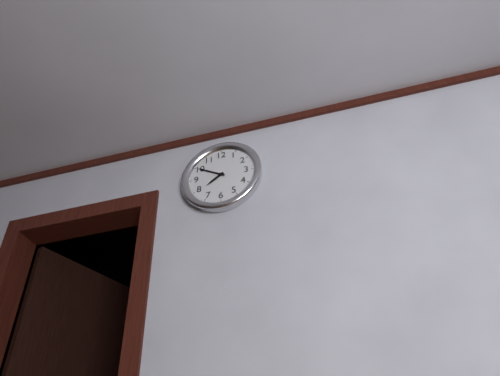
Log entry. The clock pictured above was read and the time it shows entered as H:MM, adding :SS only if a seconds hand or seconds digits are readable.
7:50
